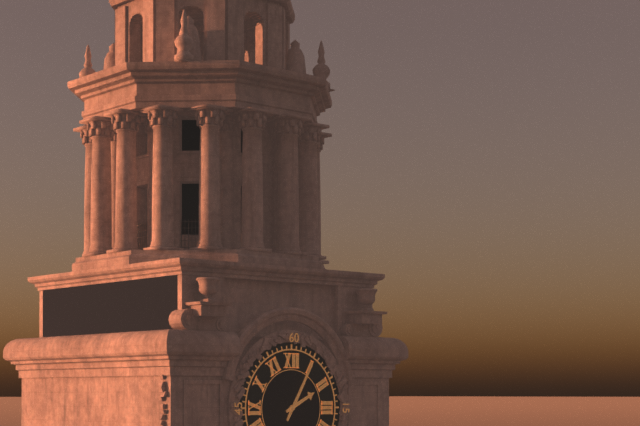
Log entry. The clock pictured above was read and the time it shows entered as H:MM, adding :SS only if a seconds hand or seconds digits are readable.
2:05
